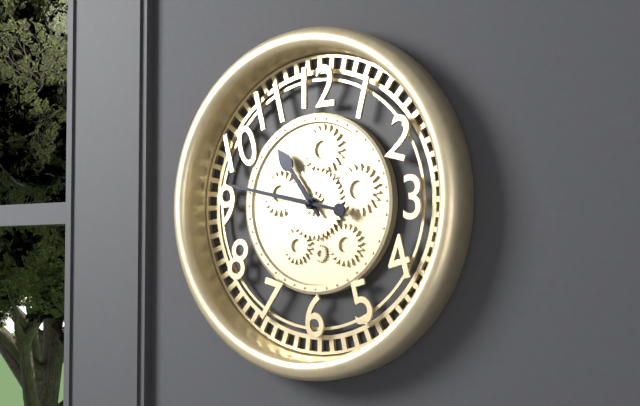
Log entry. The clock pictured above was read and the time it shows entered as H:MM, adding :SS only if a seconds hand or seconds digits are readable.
10:47
